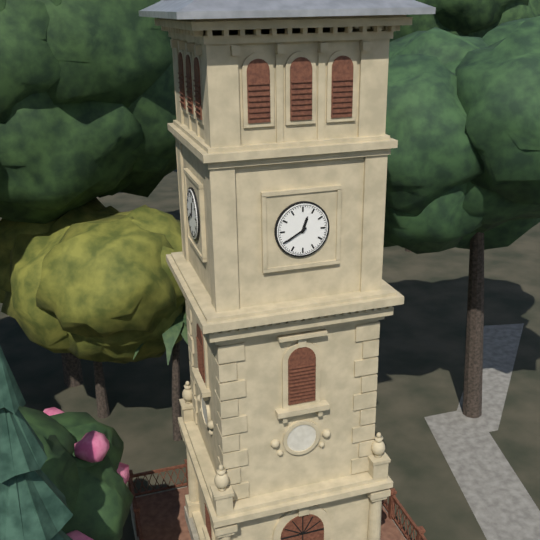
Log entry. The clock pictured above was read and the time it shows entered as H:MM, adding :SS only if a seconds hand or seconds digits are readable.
12:40
